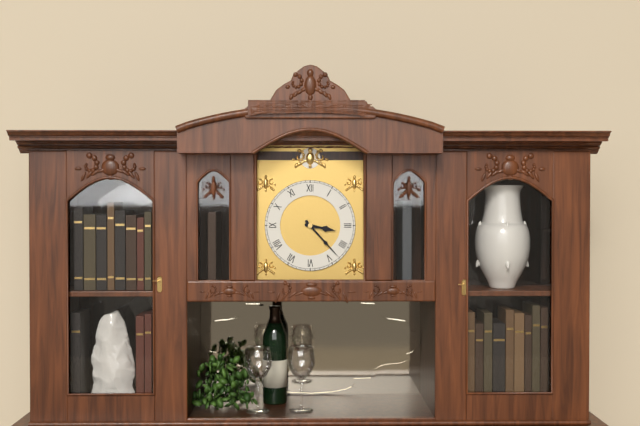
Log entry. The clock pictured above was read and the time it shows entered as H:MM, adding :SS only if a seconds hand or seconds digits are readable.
3:23
